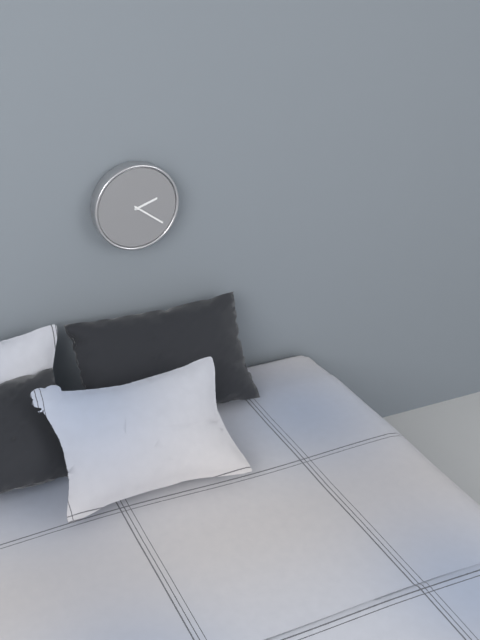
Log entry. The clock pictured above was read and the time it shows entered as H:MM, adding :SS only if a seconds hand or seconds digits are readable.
2:21
